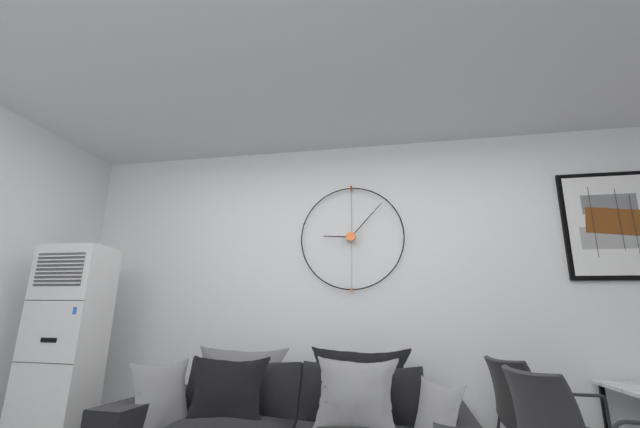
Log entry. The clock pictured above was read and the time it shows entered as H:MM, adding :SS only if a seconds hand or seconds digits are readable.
9:07
